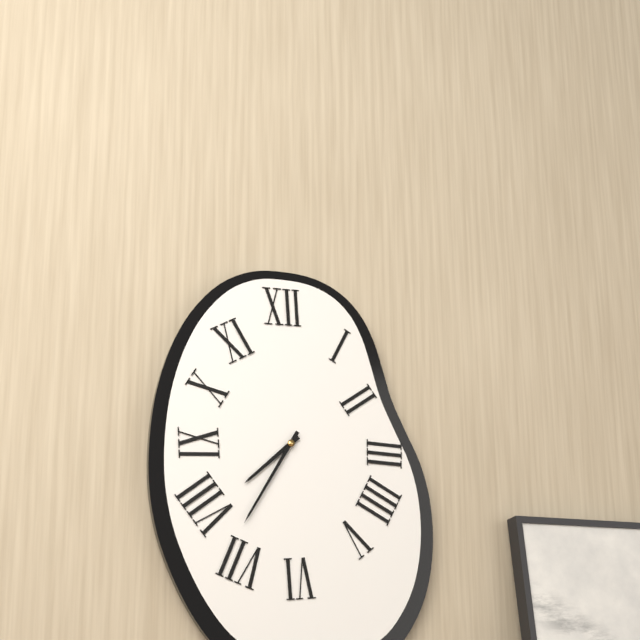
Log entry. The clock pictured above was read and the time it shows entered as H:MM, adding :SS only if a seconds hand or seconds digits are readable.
7:35
